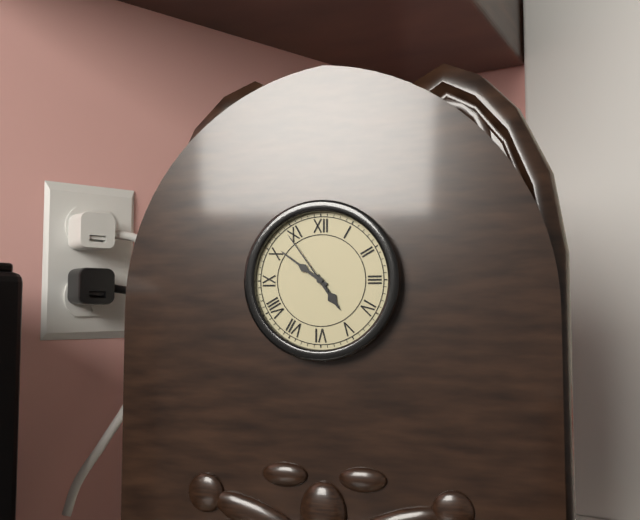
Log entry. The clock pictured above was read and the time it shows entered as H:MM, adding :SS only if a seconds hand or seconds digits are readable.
4:51:54
